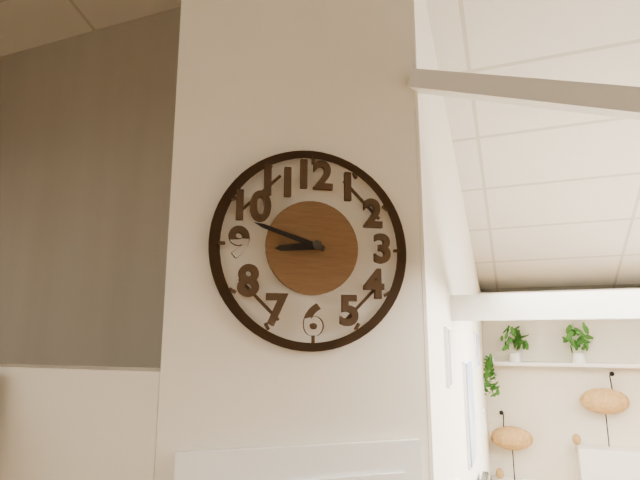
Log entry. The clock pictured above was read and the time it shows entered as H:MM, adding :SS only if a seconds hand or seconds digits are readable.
8:48
